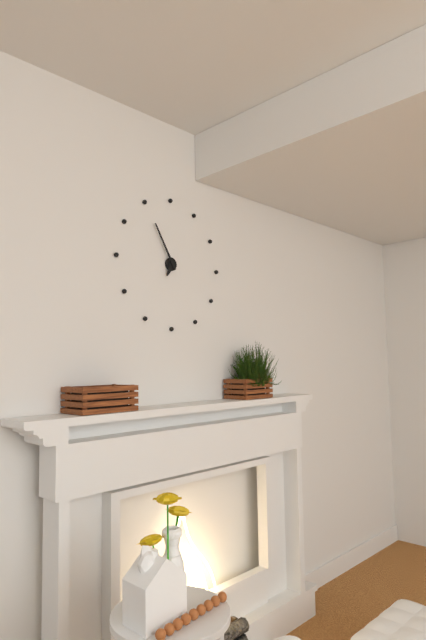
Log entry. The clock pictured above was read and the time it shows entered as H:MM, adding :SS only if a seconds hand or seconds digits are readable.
6:55
